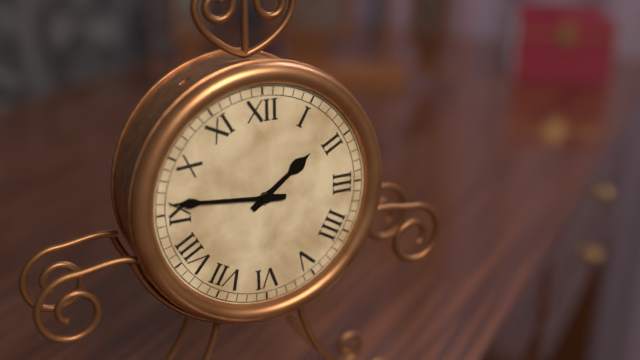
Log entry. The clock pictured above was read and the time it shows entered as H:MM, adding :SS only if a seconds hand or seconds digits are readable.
1:46
